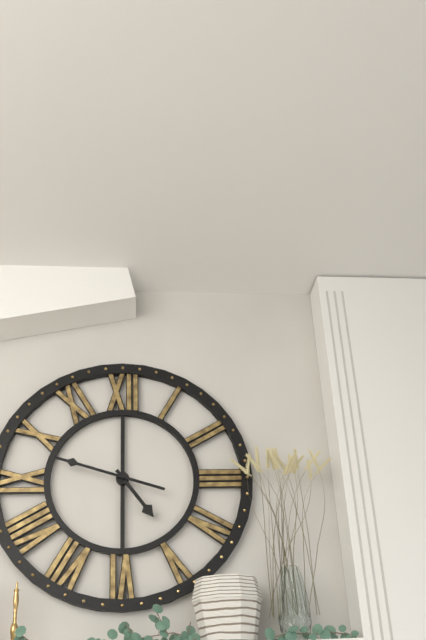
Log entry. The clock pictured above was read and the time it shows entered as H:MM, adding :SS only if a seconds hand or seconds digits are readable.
4:48
